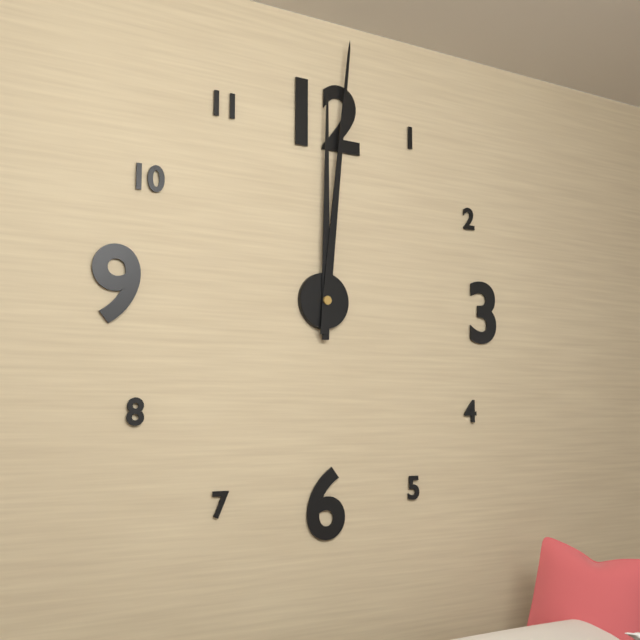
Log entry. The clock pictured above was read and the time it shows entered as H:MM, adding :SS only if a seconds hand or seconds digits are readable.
12:01
